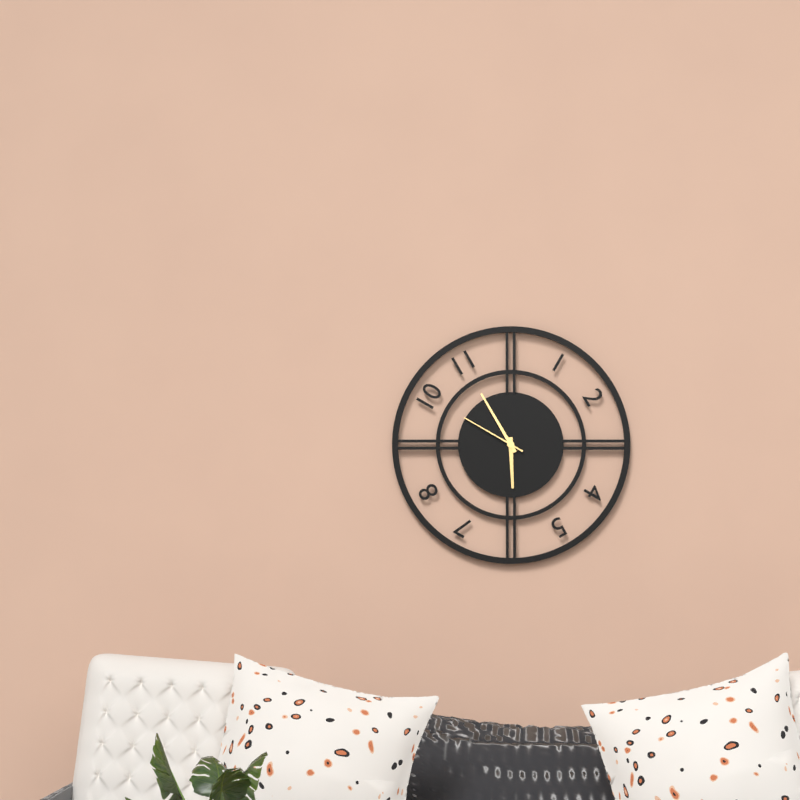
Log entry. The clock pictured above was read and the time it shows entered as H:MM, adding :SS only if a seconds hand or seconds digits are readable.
5:55:50
